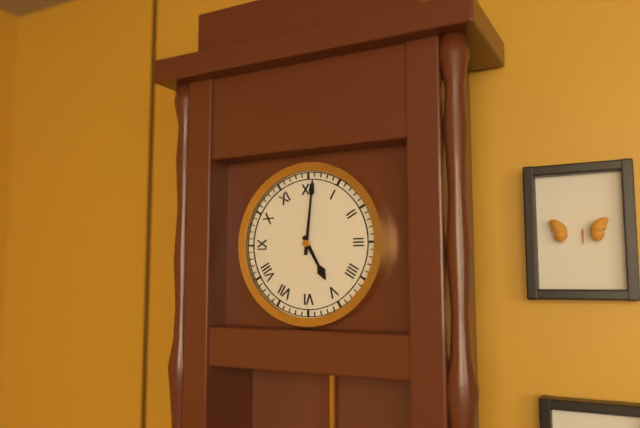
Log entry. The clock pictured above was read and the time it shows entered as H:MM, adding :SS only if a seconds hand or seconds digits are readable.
5:01
